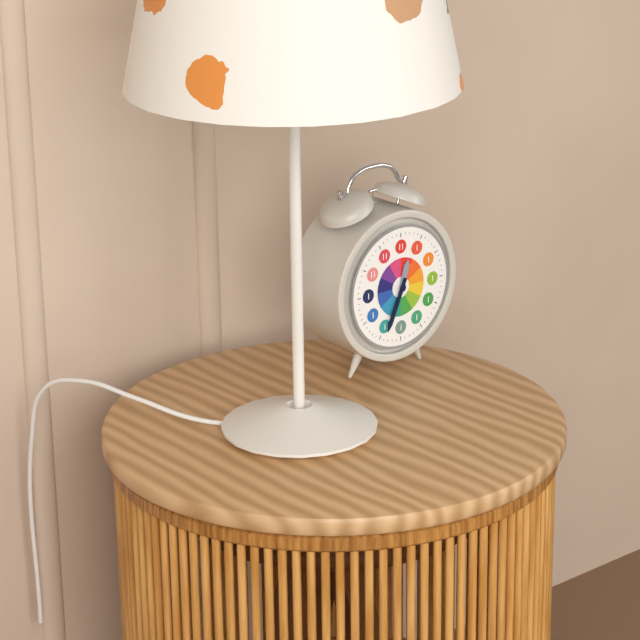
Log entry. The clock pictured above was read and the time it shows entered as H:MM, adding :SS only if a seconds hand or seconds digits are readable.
12:34
